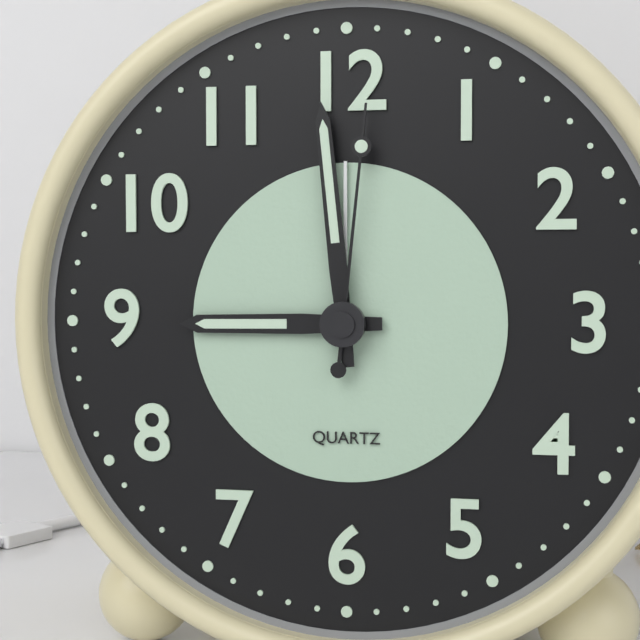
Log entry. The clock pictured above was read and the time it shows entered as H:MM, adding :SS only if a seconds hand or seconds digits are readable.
8:59:01
